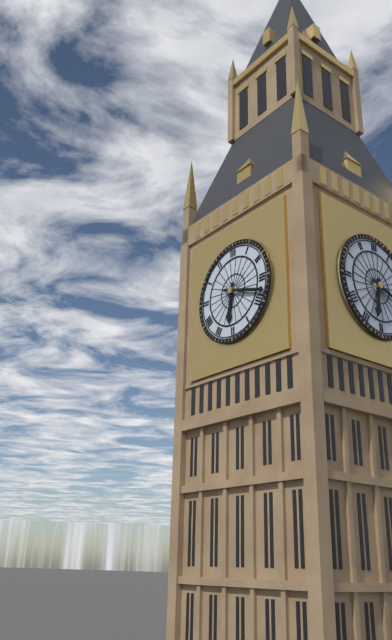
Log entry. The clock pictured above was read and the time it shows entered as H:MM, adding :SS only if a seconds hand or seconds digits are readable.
6:18
